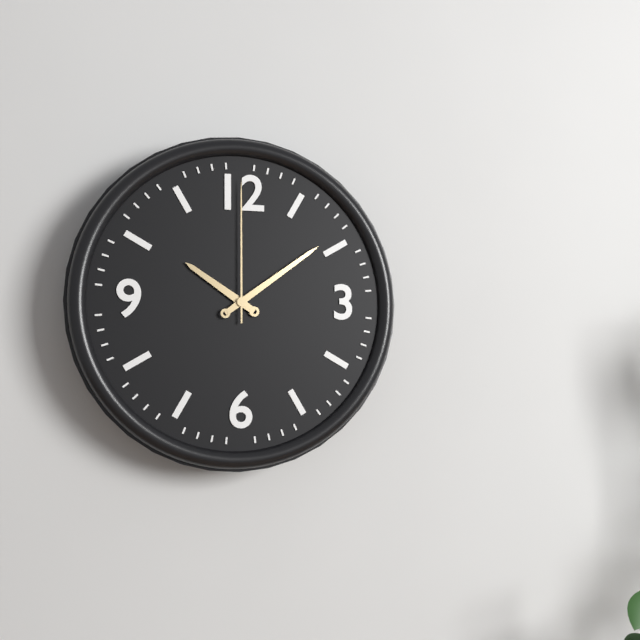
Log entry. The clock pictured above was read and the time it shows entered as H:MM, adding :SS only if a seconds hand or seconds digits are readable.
10:09:00
